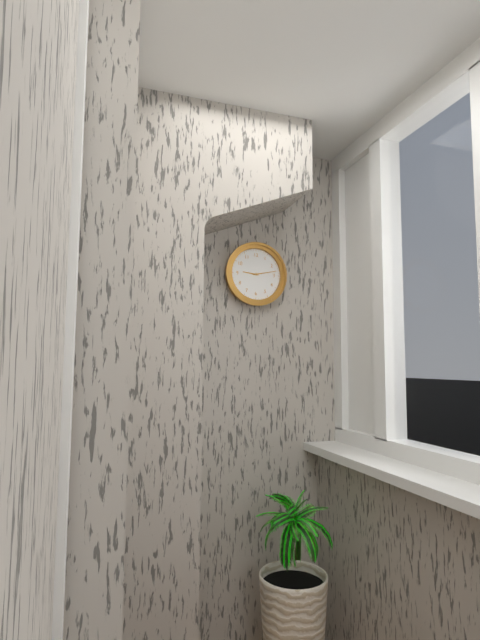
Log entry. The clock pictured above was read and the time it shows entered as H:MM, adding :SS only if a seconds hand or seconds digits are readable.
9:13
